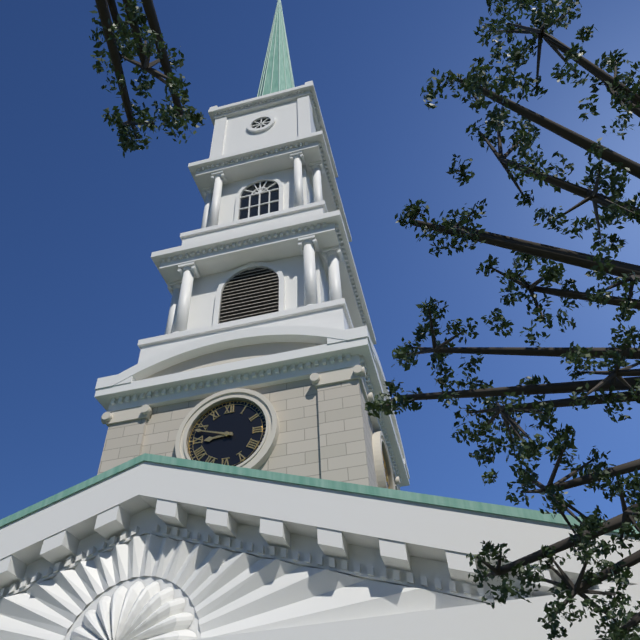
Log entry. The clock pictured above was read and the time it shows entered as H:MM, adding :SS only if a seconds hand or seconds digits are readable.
8:48
